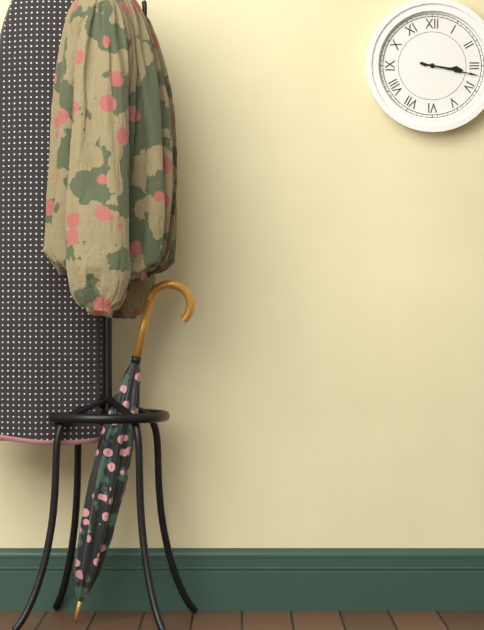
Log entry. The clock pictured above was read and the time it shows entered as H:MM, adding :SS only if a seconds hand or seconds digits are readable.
3:17
